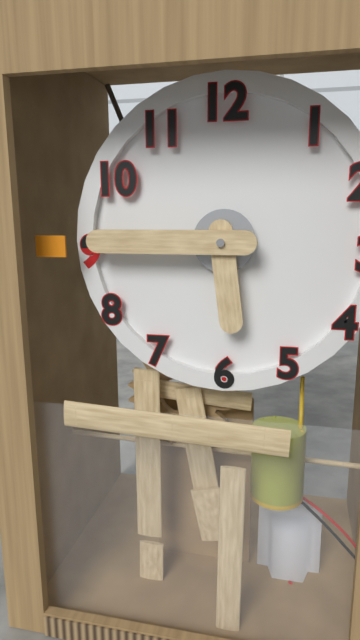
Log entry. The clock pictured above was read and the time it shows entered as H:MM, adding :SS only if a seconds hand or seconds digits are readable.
5:45
